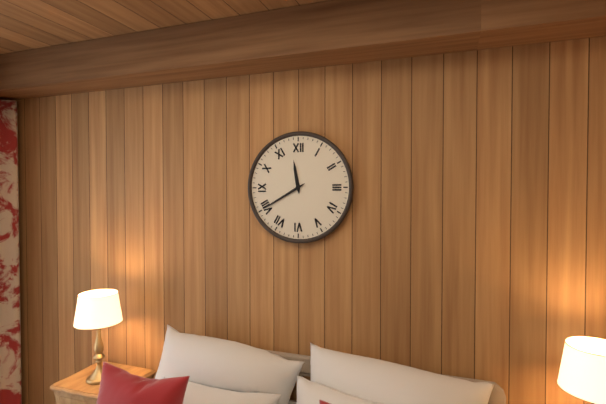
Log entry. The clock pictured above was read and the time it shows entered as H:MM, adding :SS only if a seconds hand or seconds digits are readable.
11:40
